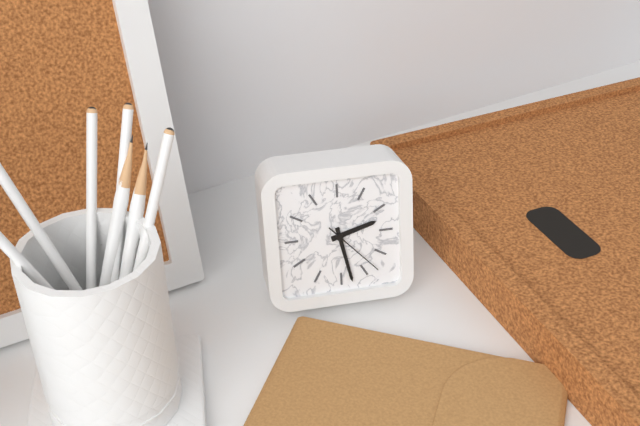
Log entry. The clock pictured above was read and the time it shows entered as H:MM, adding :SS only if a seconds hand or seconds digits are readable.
2:28:23
